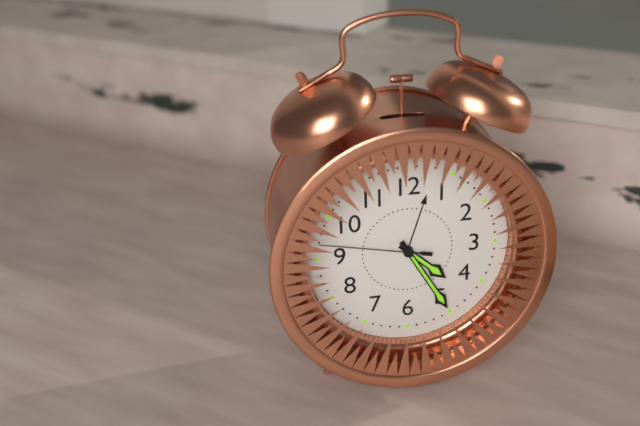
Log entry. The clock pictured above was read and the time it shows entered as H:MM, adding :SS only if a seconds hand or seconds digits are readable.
4:25:47
